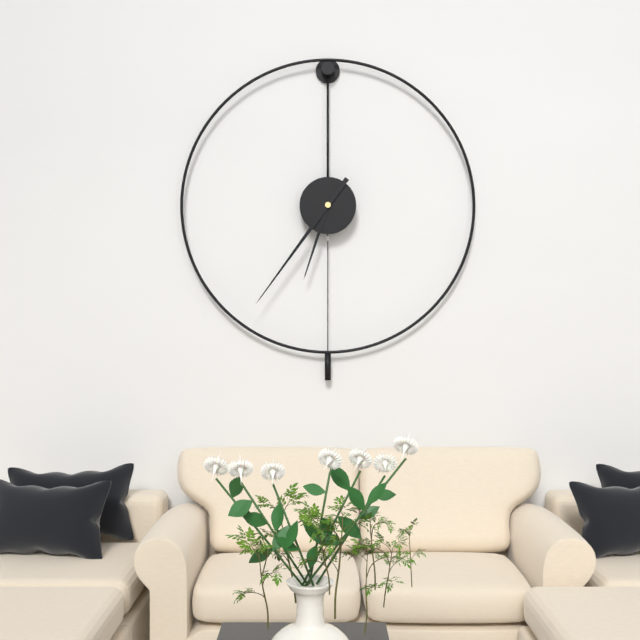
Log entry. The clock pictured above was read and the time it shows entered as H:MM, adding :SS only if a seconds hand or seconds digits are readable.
6:36
